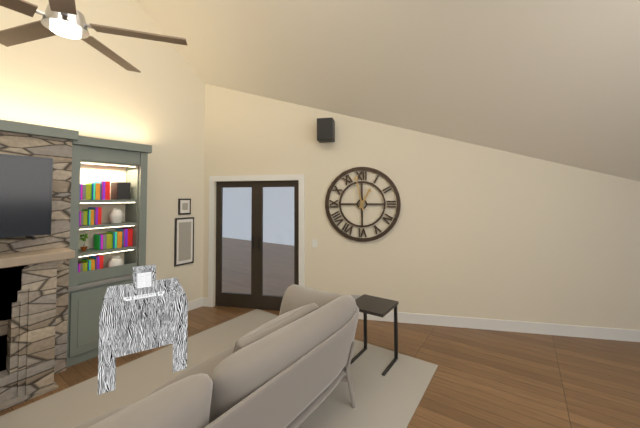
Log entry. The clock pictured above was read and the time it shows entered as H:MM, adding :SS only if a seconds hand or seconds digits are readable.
12:58
